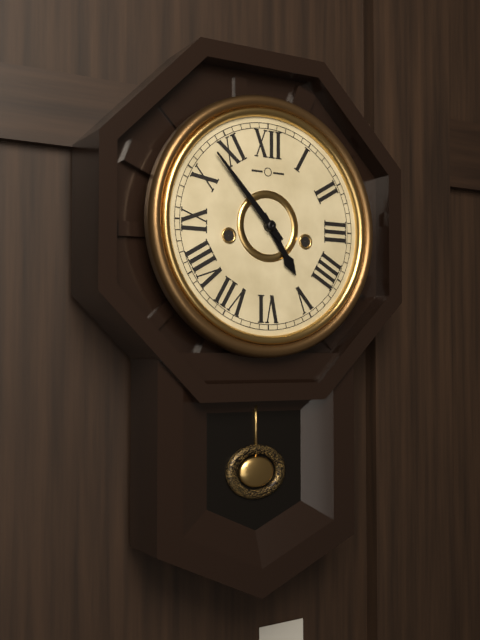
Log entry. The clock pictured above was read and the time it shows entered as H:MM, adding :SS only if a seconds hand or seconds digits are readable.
4:53
